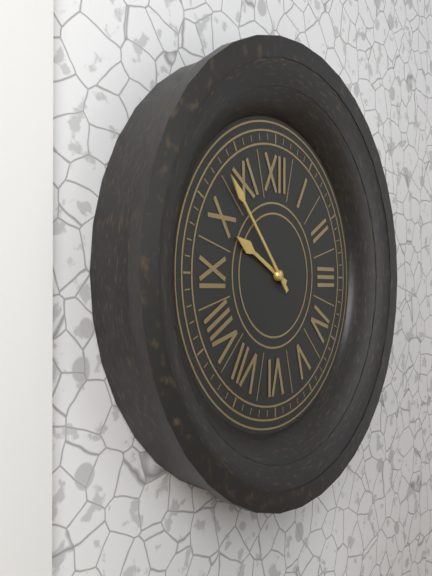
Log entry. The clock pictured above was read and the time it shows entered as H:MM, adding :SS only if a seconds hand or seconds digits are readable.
9:53
